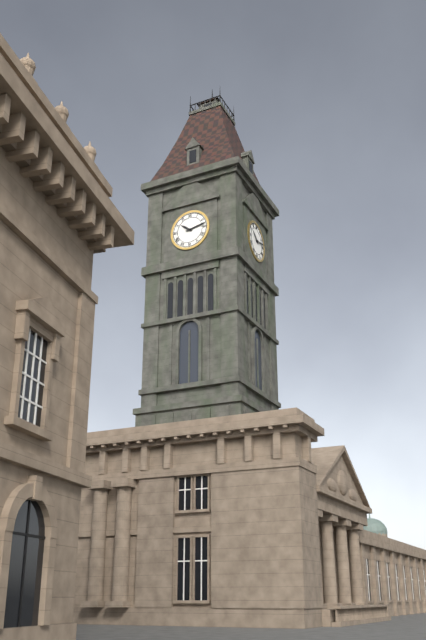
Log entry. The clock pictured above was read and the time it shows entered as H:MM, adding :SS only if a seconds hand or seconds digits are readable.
10:13
